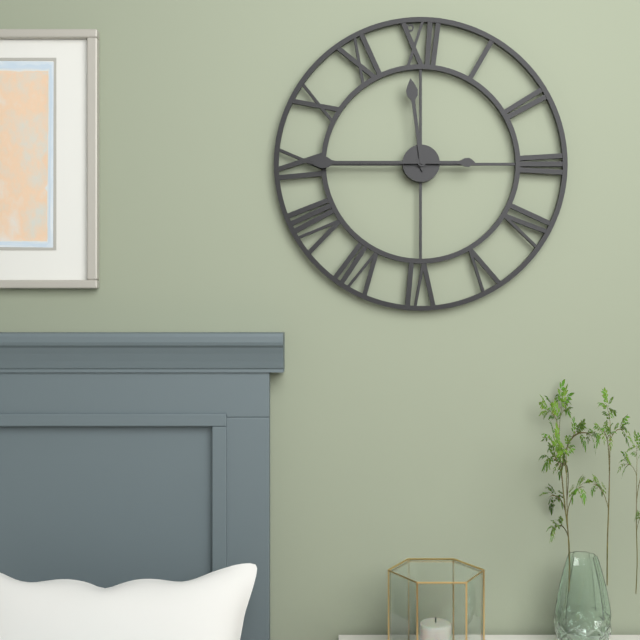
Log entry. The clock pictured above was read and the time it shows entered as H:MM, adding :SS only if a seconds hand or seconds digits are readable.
11:45
